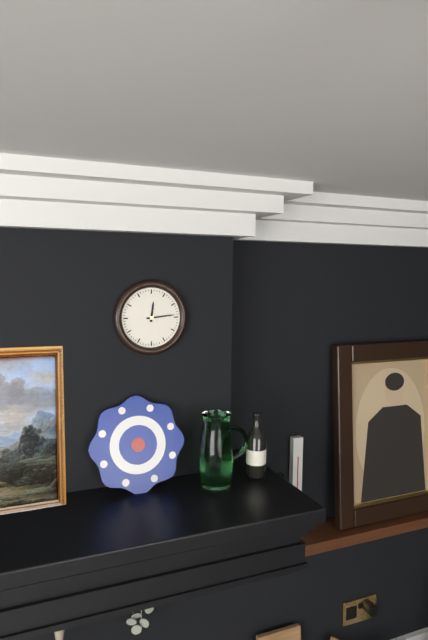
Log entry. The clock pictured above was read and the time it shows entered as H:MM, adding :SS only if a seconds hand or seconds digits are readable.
12:14
